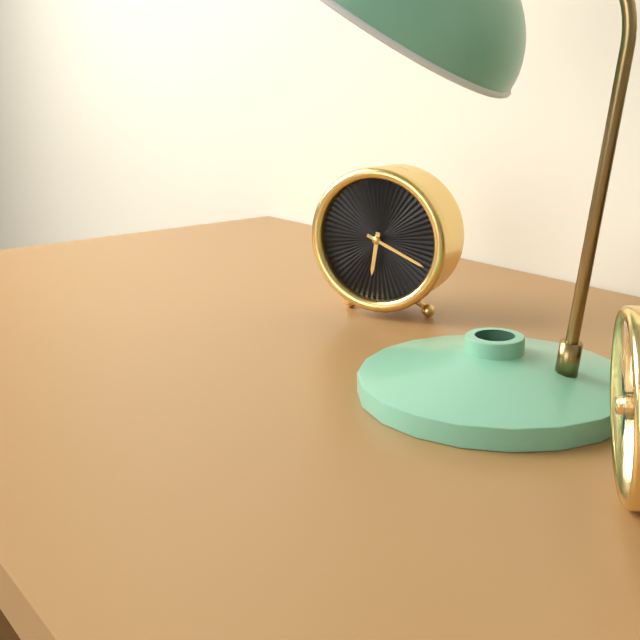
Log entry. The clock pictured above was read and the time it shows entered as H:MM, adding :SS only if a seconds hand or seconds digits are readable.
6:19
